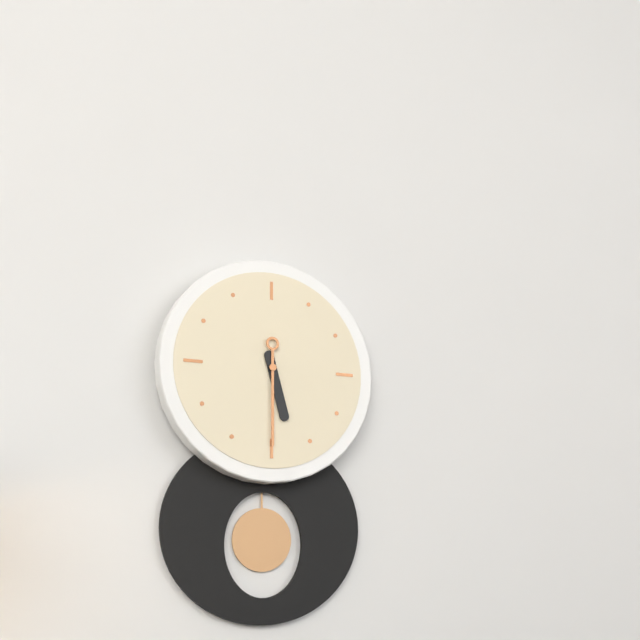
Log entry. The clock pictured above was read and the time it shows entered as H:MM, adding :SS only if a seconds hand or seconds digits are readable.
5:30
